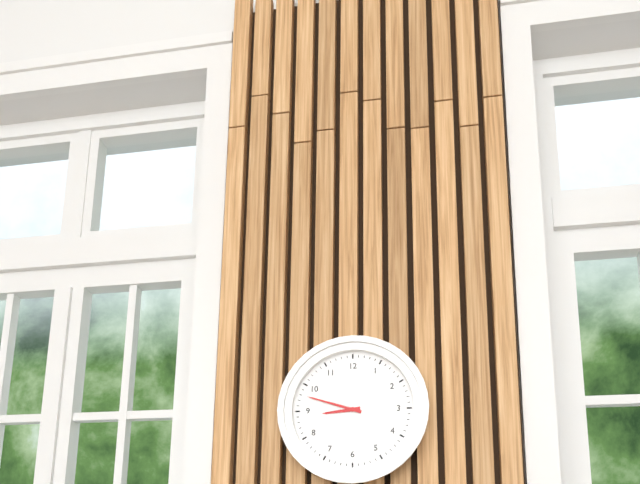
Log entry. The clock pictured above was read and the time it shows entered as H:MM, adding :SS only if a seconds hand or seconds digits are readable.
8:48
